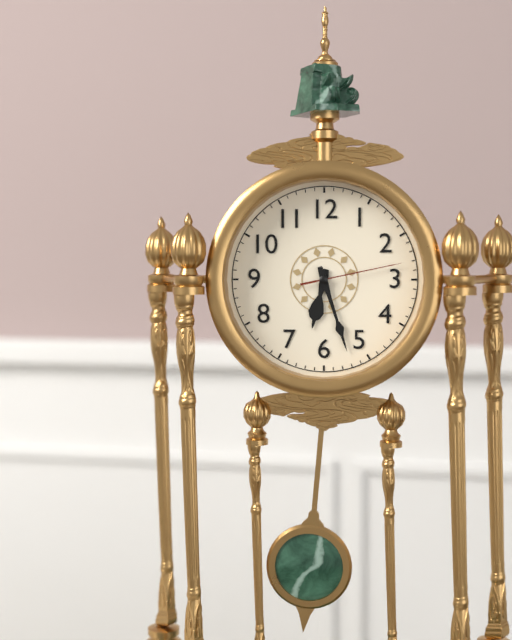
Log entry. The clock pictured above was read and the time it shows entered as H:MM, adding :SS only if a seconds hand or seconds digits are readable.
6:27:13
